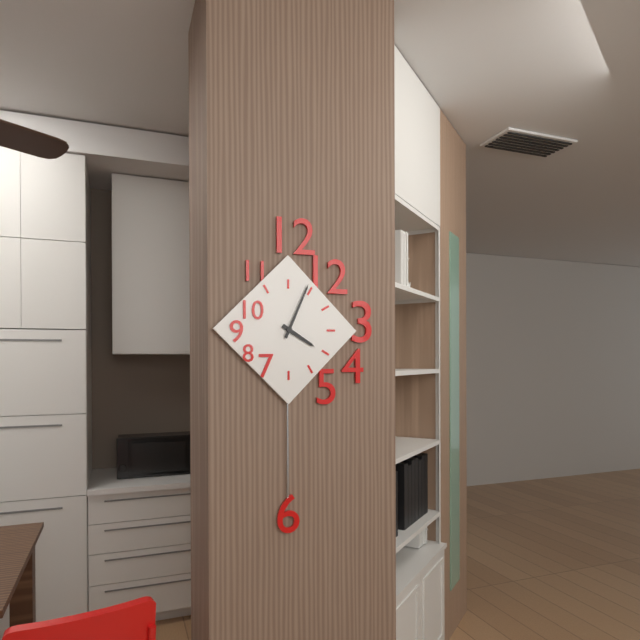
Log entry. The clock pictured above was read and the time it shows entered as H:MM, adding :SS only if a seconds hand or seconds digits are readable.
4:04
